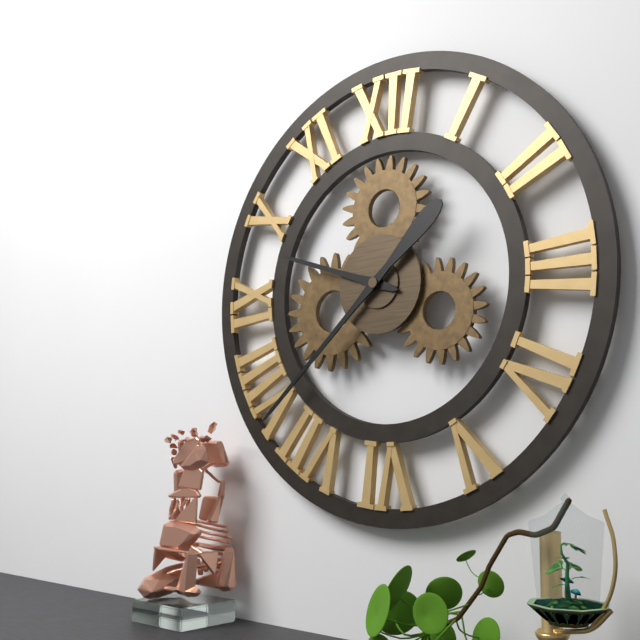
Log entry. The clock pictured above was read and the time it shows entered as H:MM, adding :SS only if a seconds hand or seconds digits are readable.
9:38
